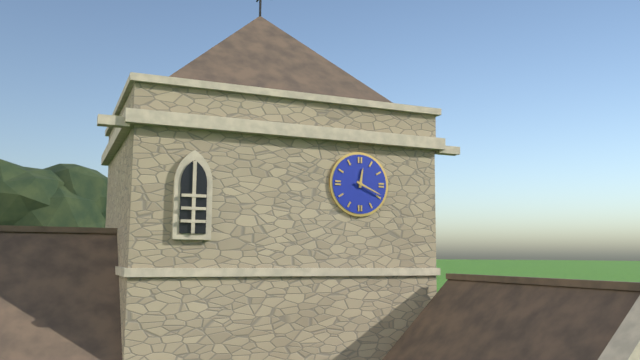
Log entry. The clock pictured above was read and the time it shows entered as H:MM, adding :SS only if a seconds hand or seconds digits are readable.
12:19
